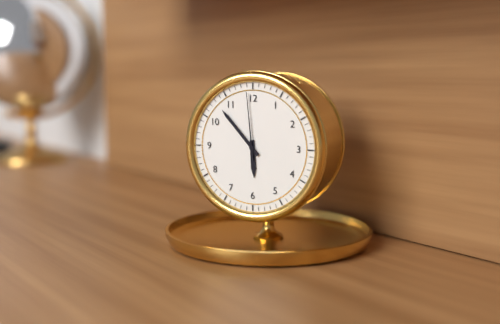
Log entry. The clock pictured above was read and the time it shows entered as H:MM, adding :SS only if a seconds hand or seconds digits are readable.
5:53:59
